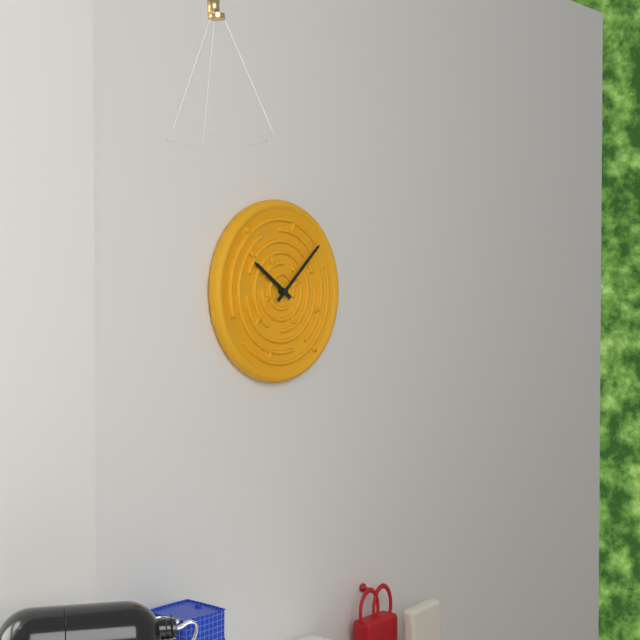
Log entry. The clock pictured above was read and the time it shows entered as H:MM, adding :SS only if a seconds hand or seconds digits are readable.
10:08
